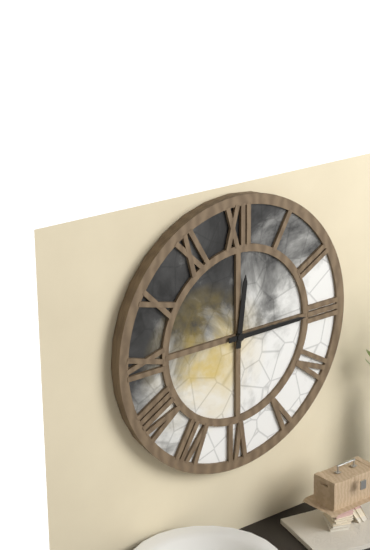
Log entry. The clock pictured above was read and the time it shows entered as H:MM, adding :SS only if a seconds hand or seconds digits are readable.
12:15
